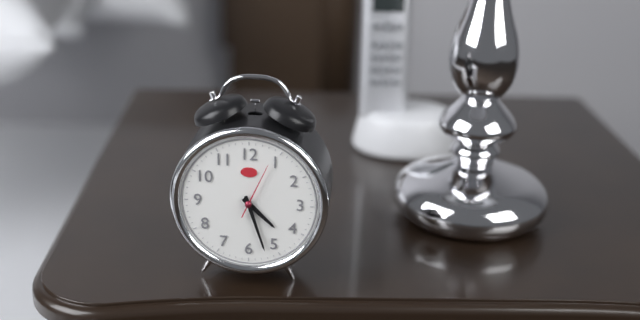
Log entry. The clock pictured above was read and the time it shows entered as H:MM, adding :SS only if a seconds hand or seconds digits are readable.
4:27:04
